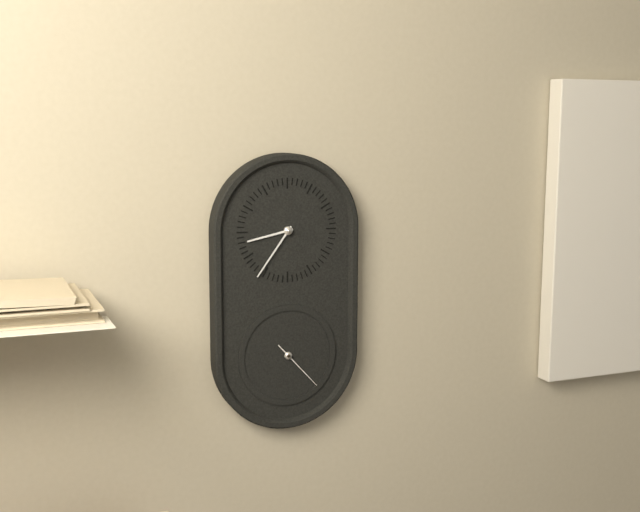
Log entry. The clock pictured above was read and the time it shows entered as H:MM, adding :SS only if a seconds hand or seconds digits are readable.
8:36:23
